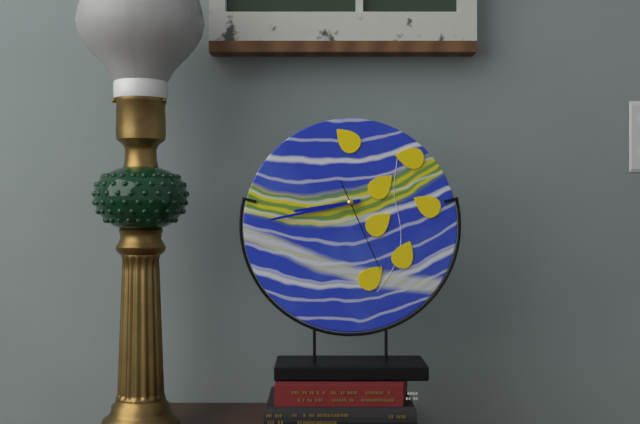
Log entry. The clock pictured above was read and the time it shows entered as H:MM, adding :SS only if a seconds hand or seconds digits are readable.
8:43:26
